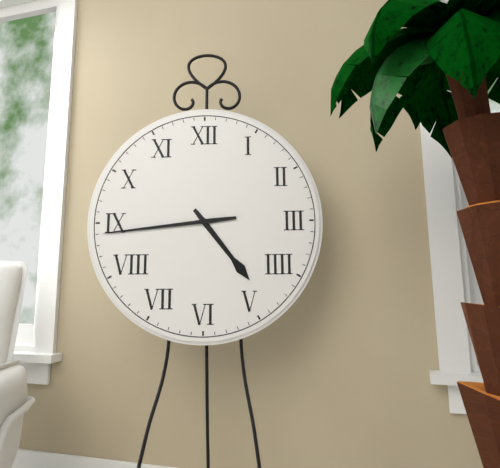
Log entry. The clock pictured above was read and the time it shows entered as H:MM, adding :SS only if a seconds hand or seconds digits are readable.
4:44
